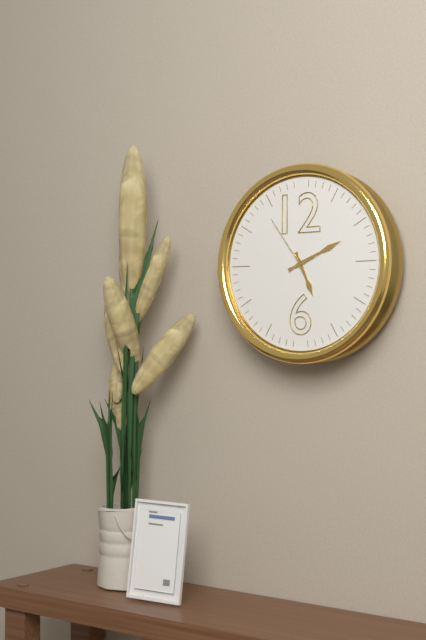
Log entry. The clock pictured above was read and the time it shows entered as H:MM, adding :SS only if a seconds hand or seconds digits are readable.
5:11:54
